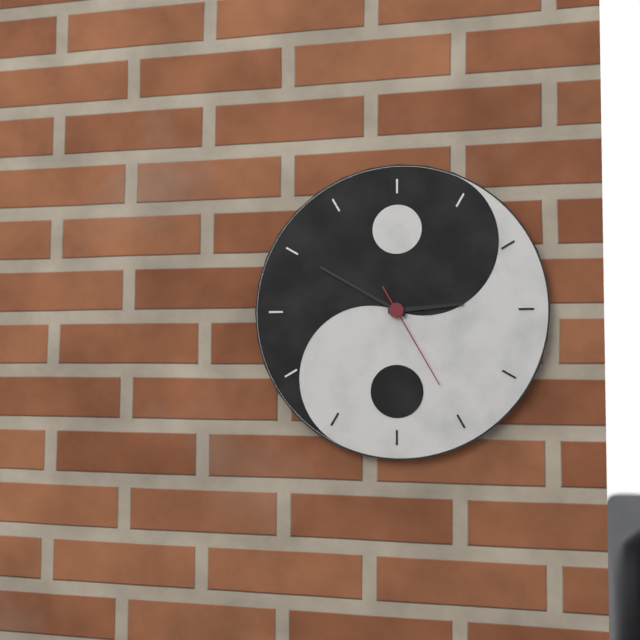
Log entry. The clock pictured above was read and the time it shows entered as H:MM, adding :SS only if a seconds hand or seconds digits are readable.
2:50:25
